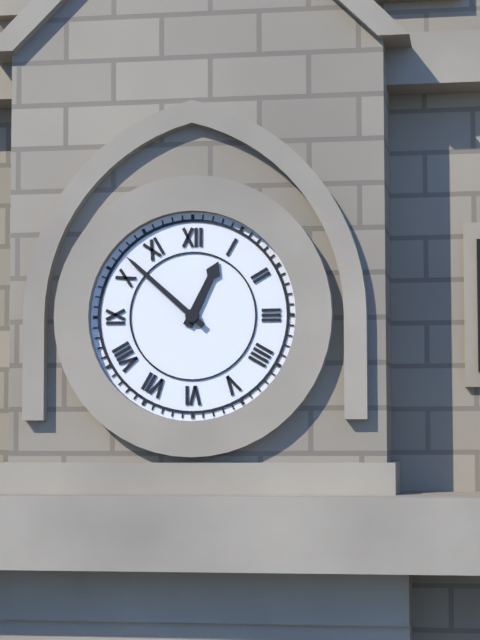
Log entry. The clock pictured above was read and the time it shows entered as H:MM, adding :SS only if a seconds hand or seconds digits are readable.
12:52
